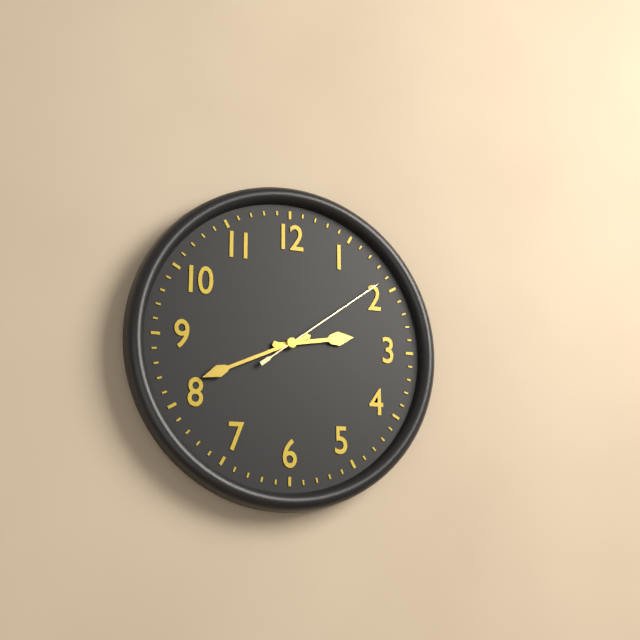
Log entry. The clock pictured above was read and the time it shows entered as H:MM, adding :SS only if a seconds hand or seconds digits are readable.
2:41:09
